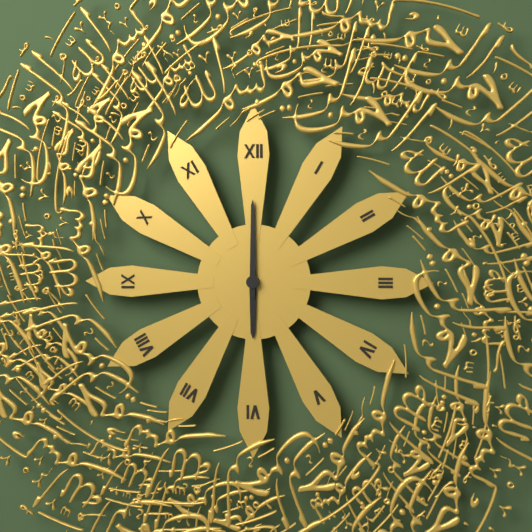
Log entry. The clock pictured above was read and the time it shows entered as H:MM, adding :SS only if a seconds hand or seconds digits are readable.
6:00
